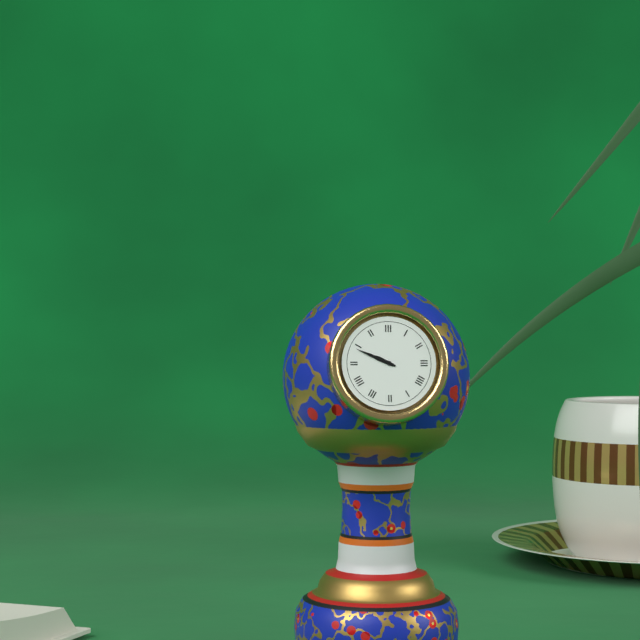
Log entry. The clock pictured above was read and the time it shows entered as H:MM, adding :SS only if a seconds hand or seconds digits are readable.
9:49
